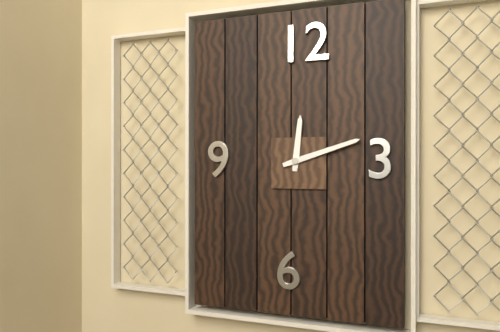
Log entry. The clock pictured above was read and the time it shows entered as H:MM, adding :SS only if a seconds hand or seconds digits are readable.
12:12
